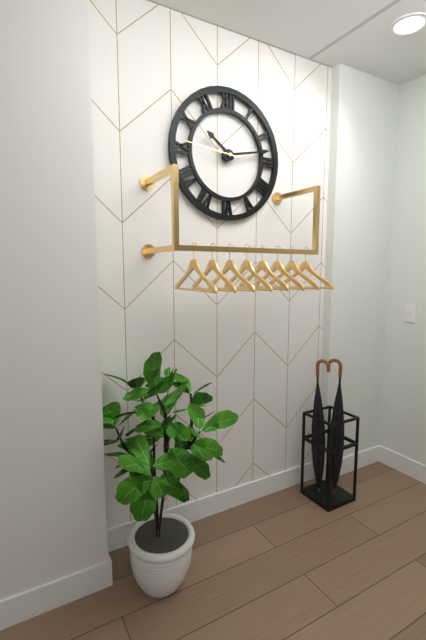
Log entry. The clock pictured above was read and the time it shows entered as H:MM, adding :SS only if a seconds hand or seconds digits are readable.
10:13:46
